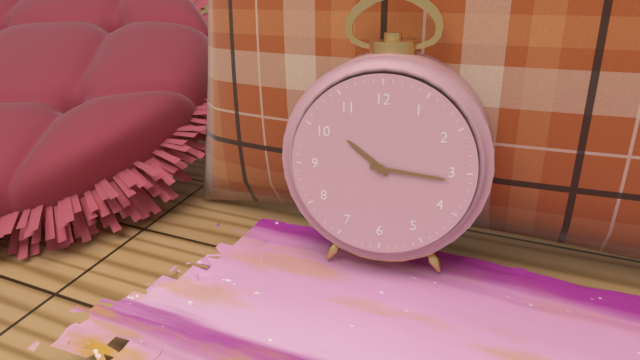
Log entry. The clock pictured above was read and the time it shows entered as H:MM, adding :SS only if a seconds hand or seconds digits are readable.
10:16
